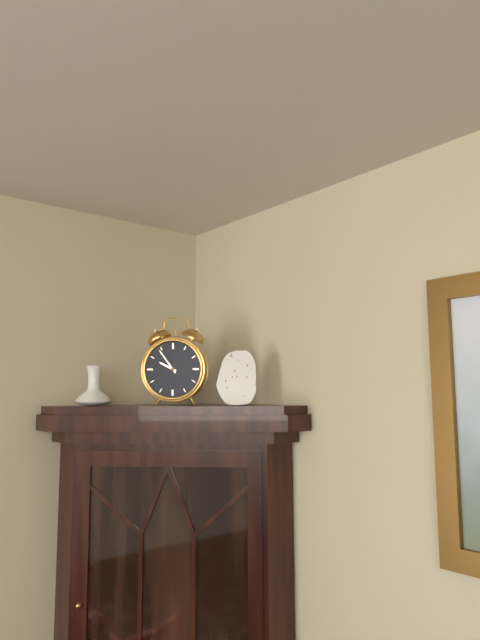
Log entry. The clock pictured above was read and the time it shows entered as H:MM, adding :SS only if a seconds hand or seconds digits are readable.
9:54
